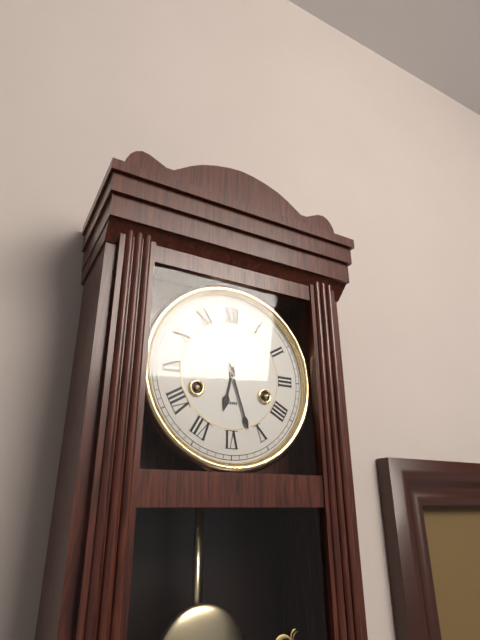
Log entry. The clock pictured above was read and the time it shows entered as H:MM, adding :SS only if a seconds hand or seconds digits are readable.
6:27
